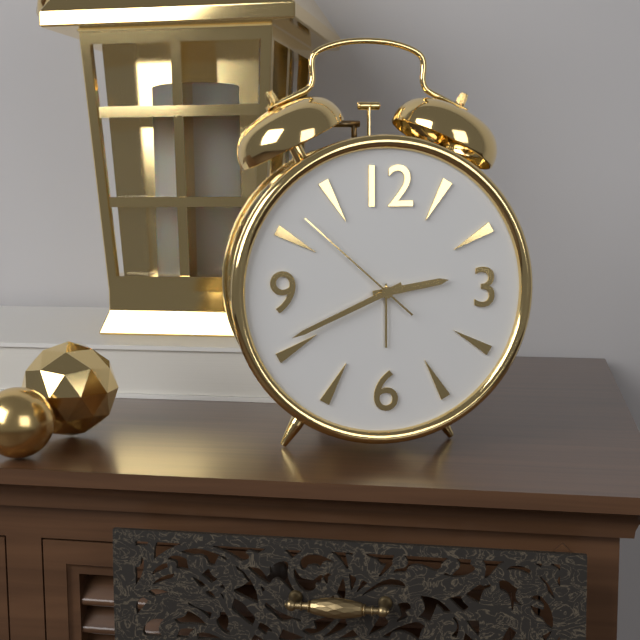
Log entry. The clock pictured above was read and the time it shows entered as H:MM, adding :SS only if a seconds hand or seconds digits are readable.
2:41:52
